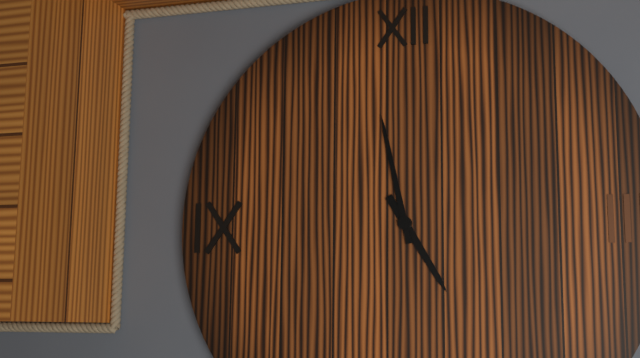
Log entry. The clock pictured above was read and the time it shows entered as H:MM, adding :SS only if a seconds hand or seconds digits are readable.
4:58
